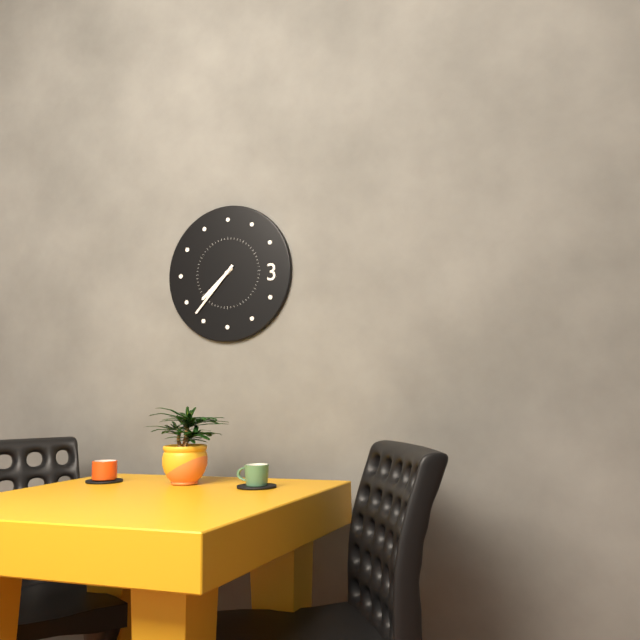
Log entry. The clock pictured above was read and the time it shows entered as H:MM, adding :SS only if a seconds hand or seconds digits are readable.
7:37
